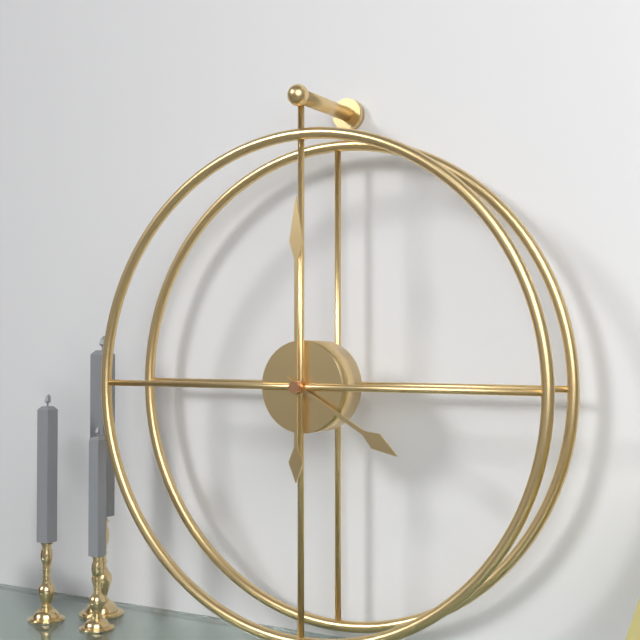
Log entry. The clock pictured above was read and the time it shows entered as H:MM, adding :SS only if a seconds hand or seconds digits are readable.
4:00
